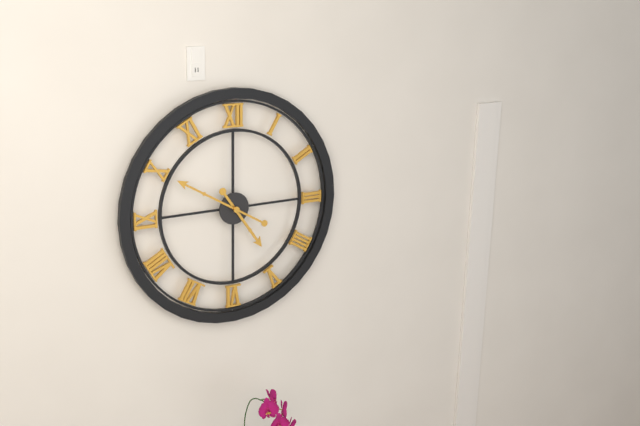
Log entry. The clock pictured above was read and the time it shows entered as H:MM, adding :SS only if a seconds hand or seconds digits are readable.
4:50
